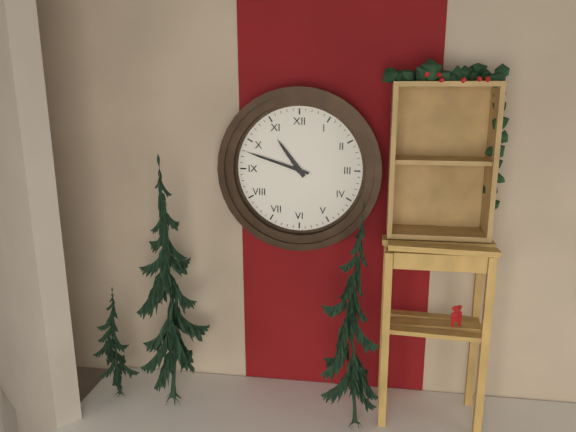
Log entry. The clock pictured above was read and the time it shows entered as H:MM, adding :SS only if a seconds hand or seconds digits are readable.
10:48
